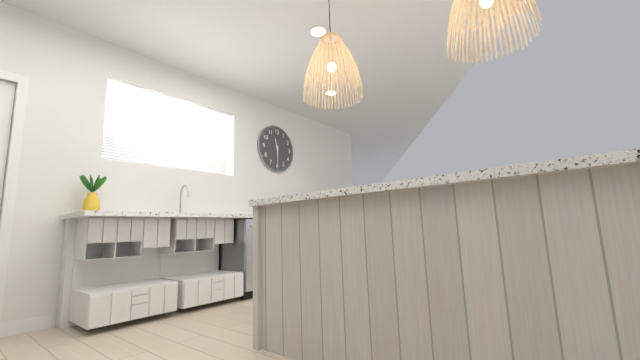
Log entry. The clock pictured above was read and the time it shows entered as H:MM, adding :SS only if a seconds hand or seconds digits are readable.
11:30
